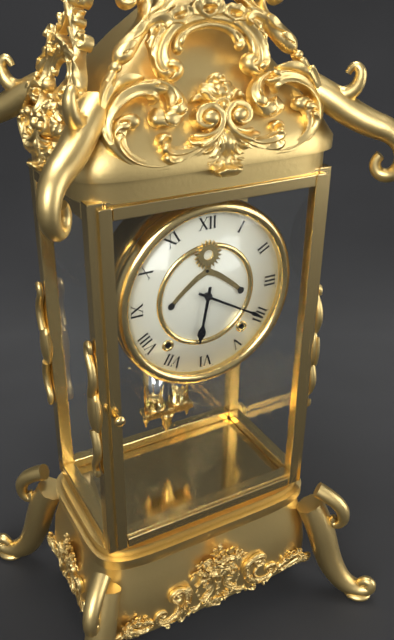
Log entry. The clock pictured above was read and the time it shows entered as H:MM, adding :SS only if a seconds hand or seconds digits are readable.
6:20
